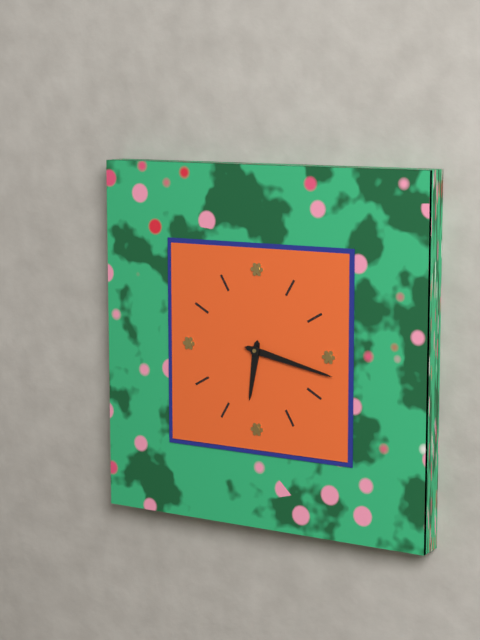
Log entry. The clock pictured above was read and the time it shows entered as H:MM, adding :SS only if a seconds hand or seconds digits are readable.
6:17
